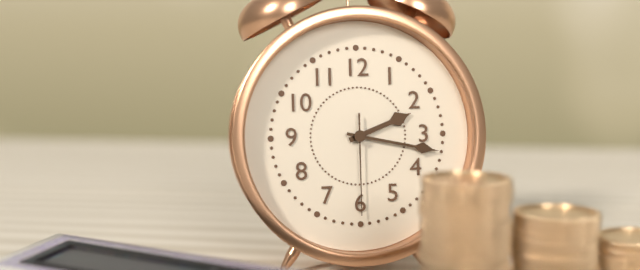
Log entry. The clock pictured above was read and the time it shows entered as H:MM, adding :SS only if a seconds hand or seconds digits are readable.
2:17:30
